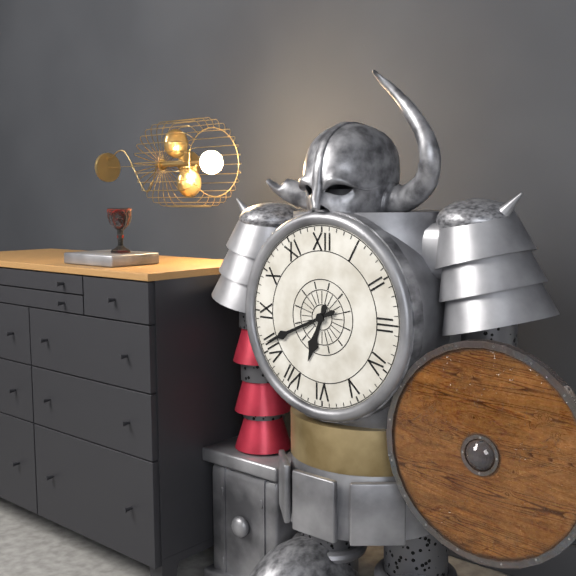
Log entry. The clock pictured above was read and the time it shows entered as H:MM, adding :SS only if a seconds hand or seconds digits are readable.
6:41
